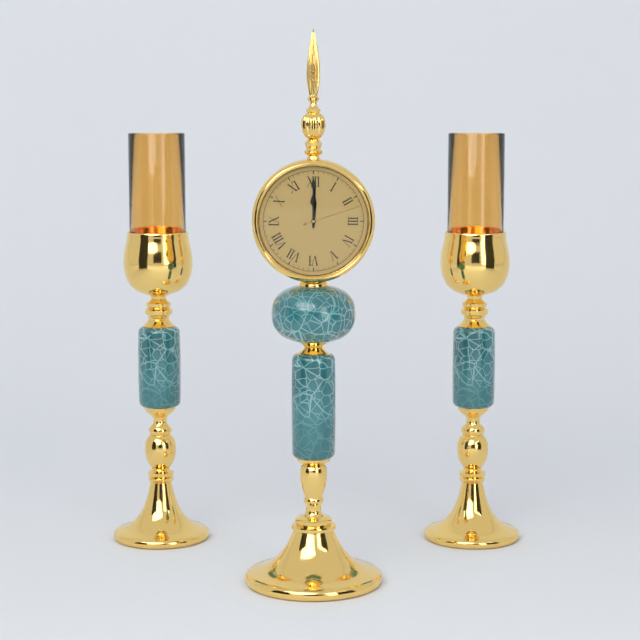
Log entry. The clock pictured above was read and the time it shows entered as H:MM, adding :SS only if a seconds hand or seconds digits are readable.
12:00:12
